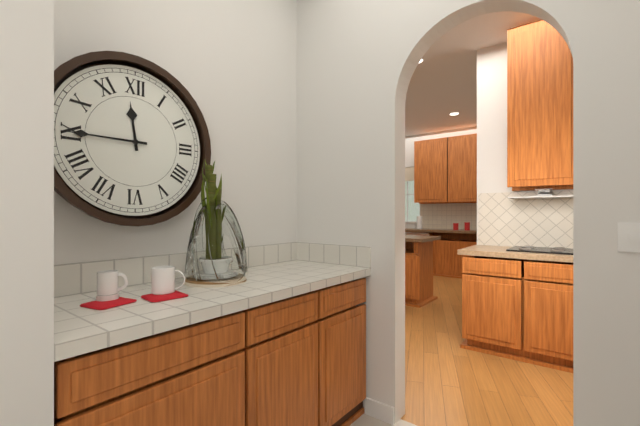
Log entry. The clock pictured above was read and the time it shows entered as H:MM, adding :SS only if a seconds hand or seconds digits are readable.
11:45
